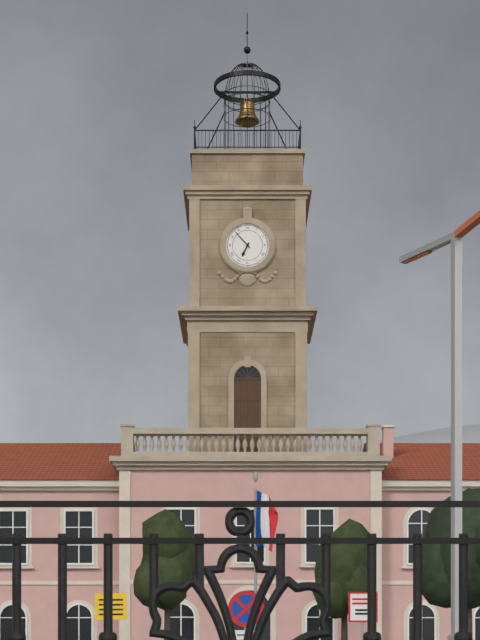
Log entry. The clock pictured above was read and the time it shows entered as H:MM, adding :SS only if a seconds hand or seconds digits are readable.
6:53
